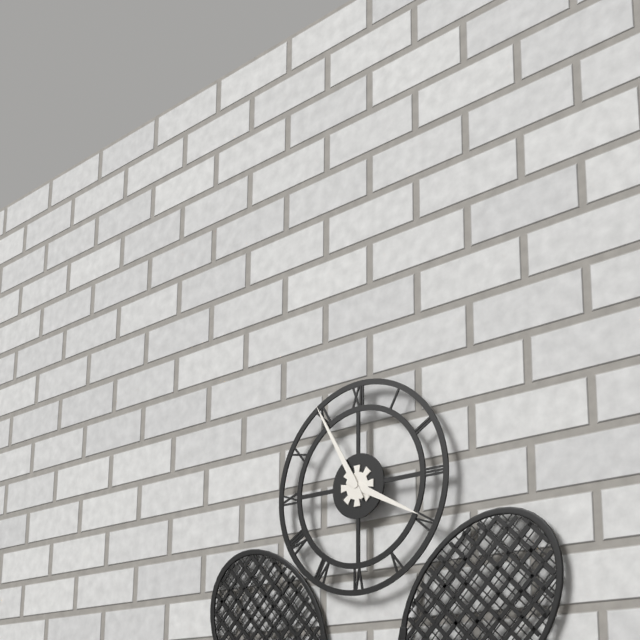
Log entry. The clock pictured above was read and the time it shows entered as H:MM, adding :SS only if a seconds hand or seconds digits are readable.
3:55
